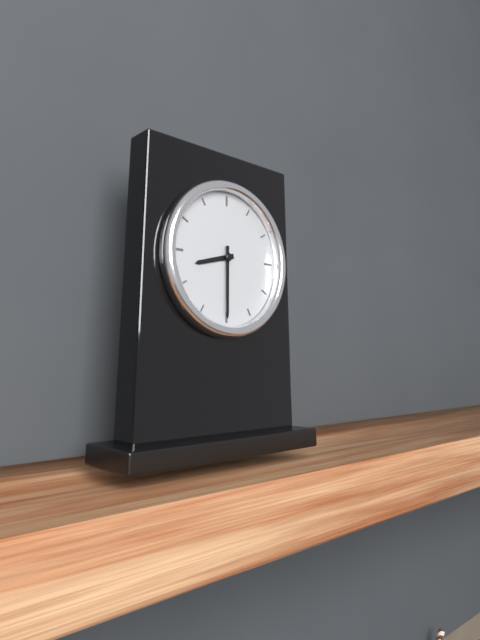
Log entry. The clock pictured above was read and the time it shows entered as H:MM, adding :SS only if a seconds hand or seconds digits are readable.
8:30
